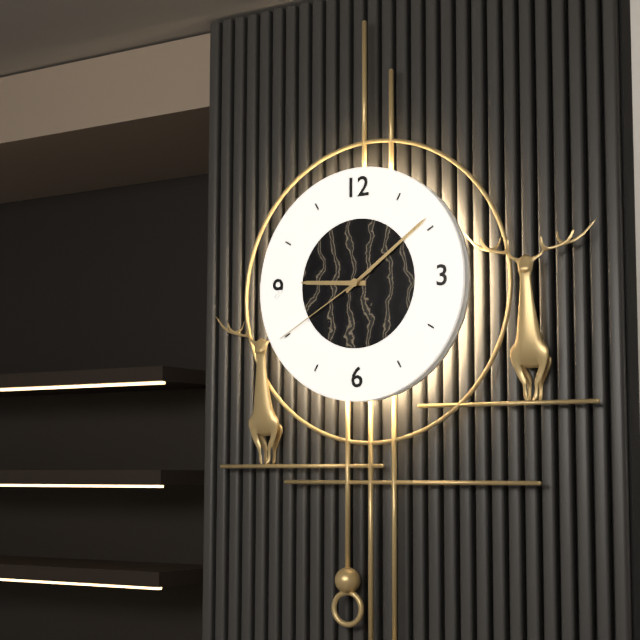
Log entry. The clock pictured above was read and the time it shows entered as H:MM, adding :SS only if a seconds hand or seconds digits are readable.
9:09:40
